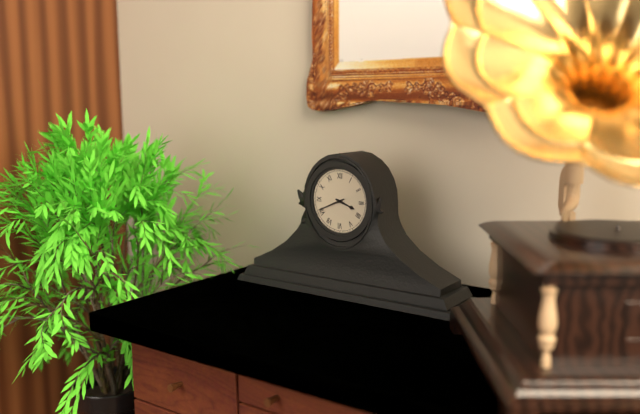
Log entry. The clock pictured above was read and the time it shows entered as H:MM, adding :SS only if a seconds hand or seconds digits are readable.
3:41
